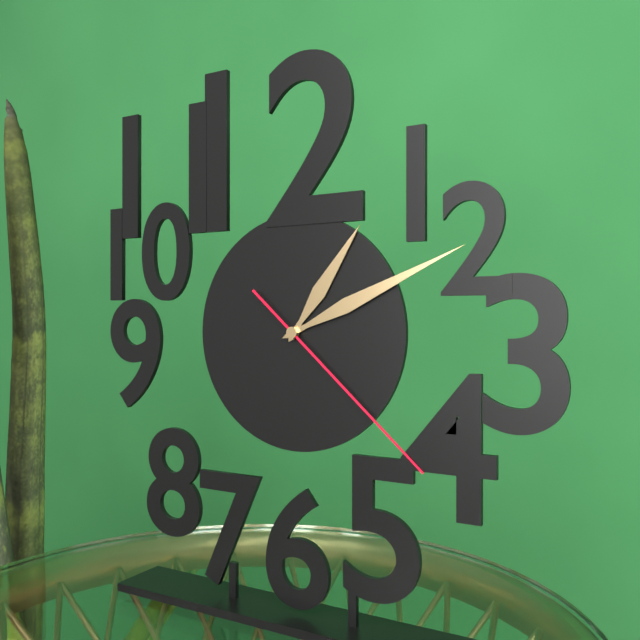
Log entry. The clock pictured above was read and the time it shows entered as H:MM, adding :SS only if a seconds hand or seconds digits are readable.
1:11:22
